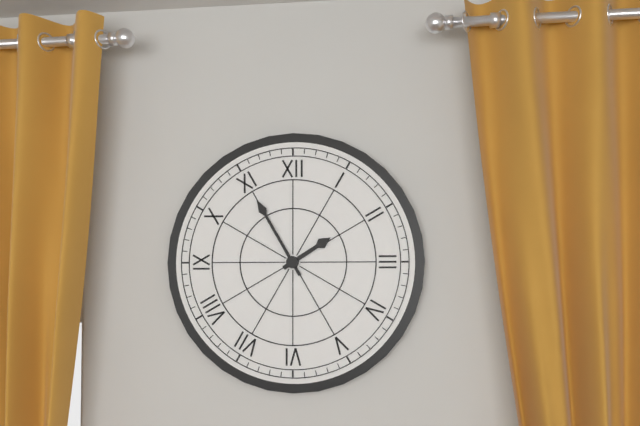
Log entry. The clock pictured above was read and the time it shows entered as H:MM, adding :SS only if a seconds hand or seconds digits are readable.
1:55
